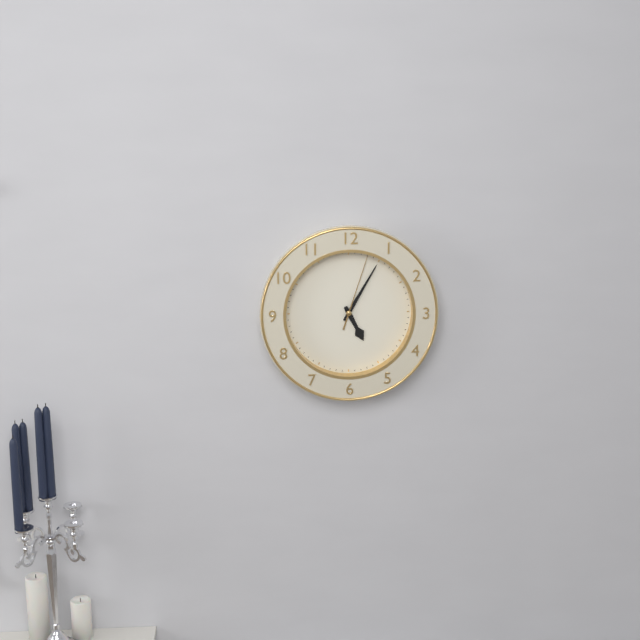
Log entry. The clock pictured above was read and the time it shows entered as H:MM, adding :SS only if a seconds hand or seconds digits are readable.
5:05:03
